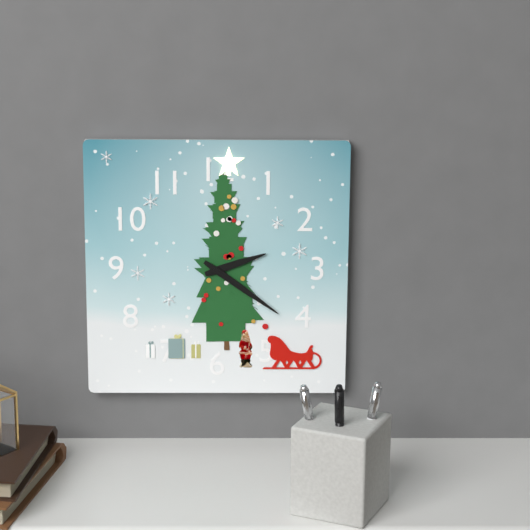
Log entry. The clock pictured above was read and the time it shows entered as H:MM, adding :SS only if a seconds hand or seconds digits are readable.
2:21
